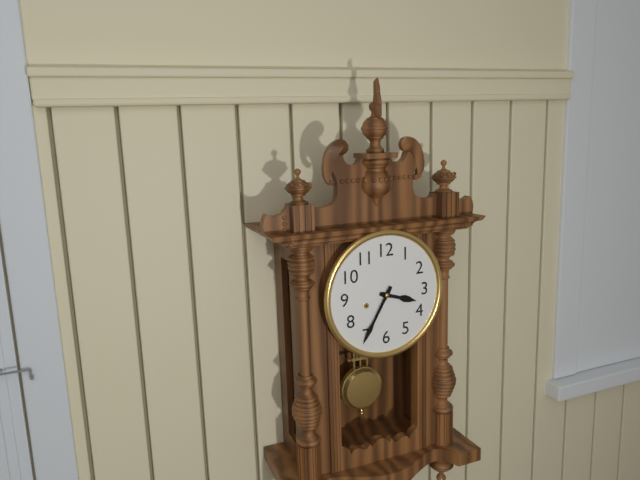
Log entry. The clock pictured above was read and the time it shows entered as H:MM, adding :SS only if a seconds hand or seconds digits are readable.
3:35
